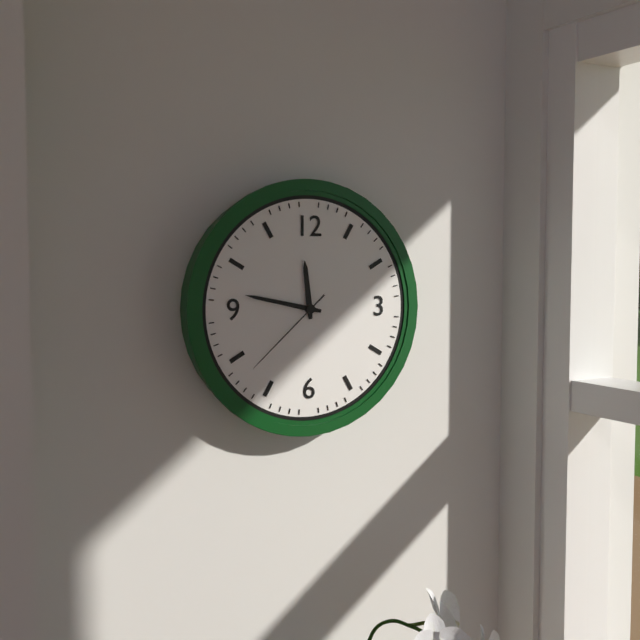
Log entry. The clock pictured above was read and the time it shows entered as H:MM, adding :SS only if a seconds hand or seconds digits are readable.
11:47:38
